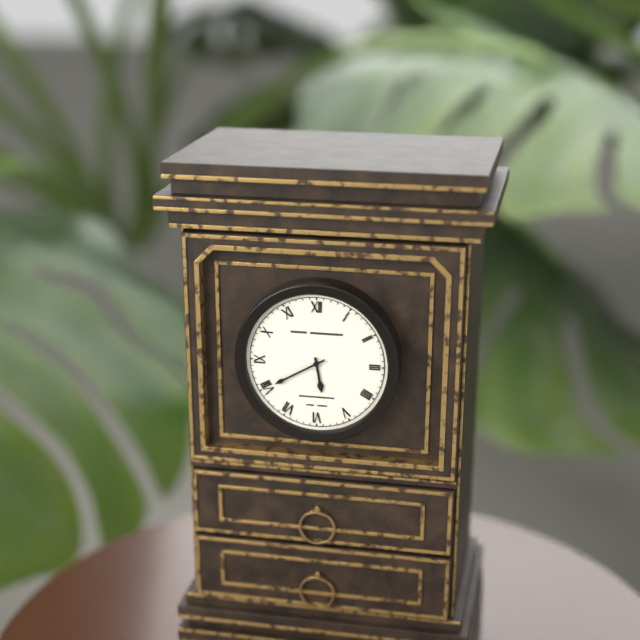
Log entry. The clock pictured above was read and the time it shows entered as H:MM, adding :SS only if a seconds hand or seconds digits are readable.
5:40
